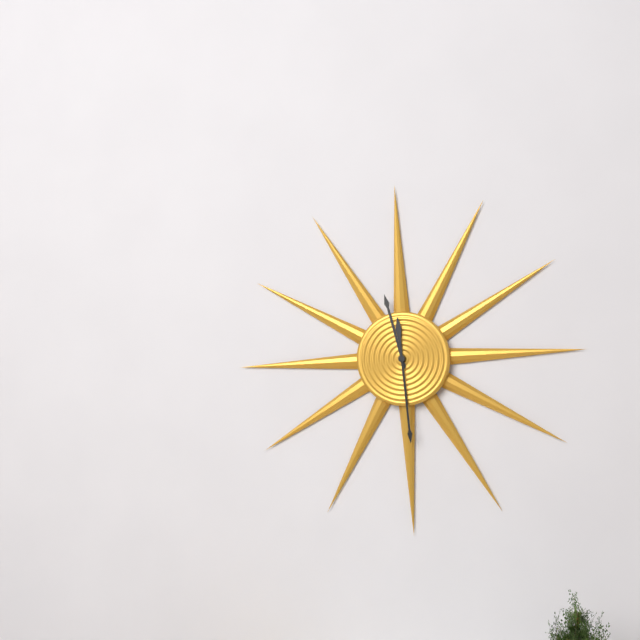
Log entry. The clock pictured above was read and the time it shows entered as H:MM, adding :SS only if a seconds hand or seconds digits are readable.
11:29
